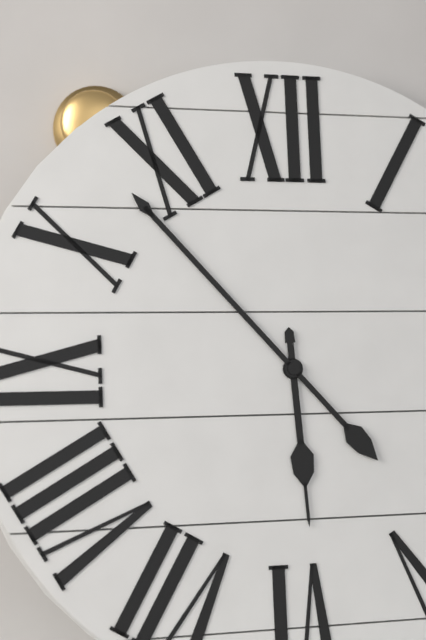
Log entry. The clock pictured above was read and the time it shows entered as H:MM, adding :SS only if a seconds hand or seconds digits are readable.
5:53
